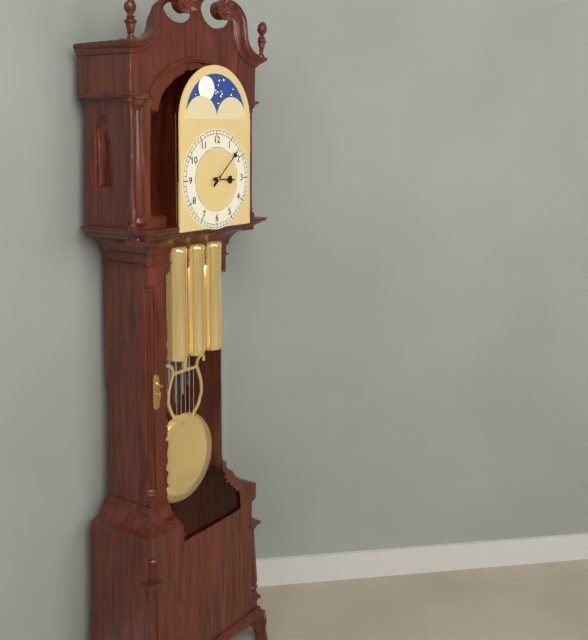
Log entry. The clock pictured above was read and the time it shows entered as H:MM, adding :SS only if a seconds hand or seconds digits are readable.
3:08
